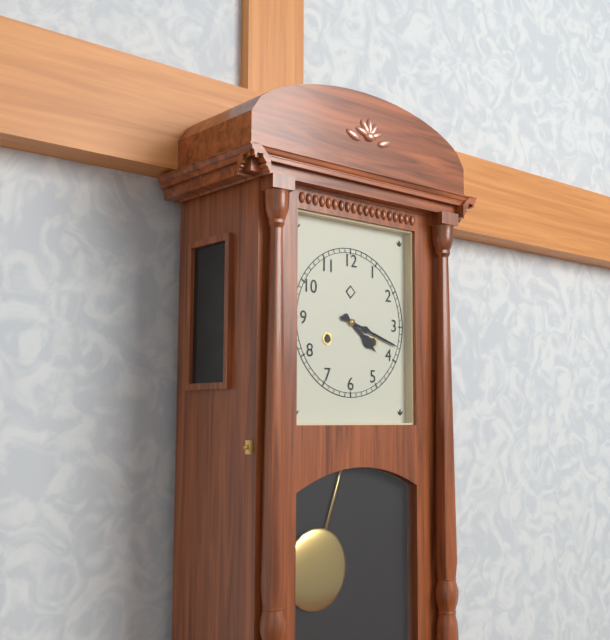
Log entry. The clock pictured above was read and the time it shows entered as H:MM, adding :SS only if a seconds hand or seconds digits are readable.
4:18
